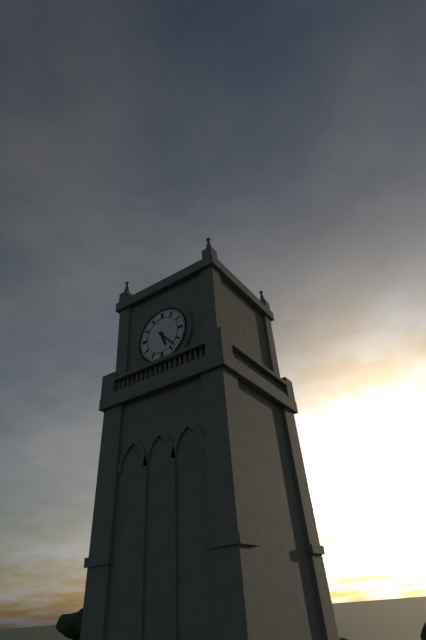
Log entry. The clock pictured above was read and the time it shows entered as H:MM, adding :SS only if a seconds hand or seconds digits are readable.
5:23
